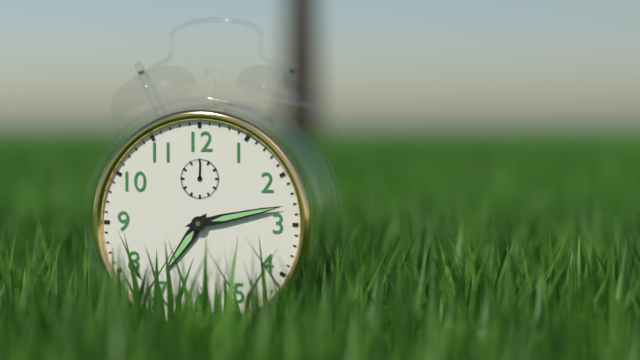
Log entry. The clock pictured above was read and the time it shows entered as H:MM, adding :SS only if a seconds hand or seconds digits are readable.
7:13
